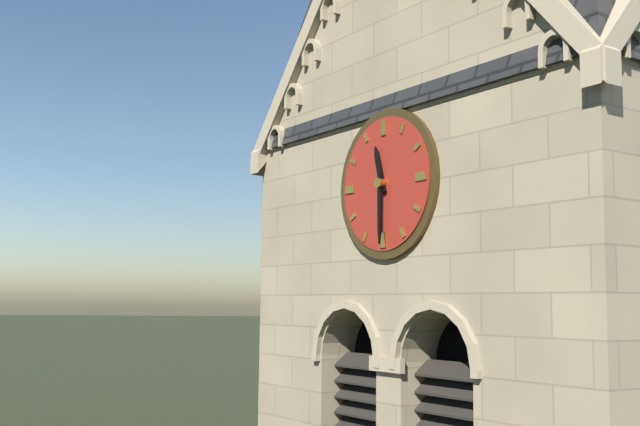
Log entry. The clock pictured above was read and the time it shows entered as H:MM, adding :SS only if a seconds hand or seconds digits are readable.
11:30
